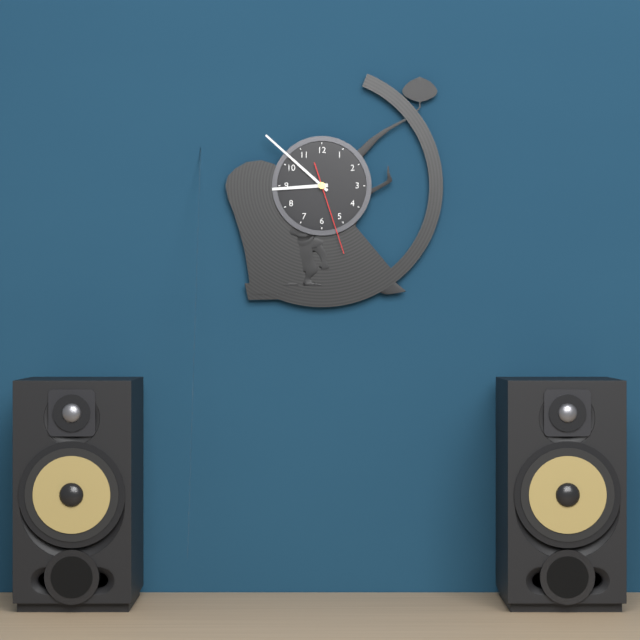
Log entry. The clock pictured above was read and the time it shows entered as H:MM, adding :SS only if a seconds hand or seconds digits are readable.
8:52:27
